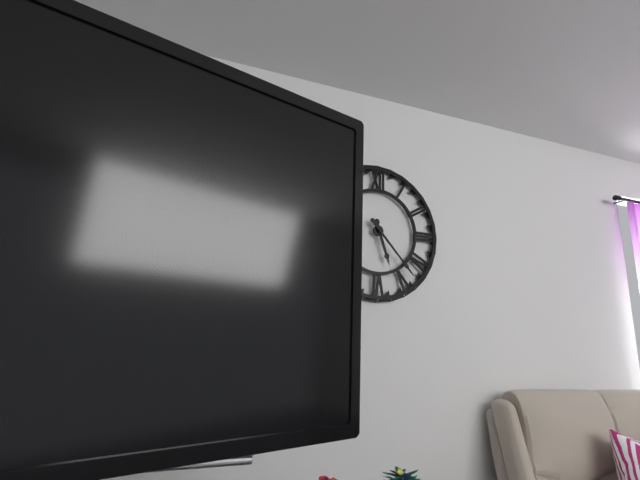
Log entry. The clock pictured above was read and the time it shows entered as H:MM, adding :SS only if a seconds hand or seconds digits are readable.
5:23
